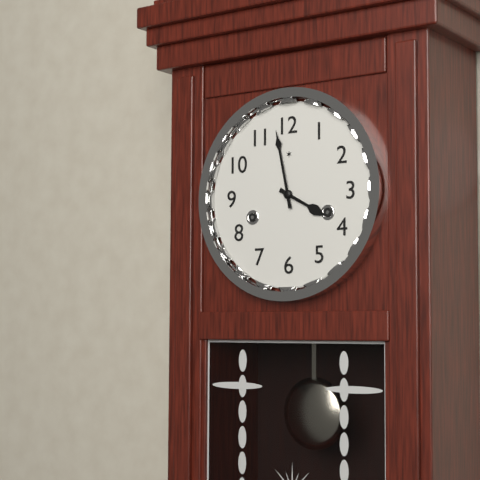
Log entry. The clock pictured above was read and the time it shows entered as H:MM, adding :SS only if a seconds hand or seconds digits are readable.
3:58
